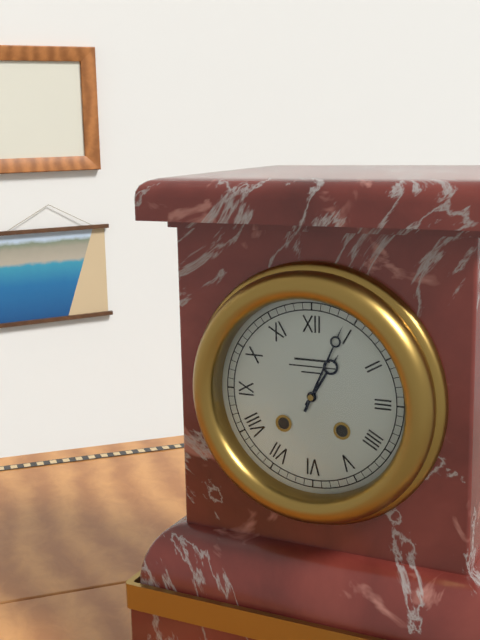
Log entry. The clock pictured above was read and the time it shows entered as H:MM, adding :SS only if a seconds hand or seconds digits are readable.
1:04
